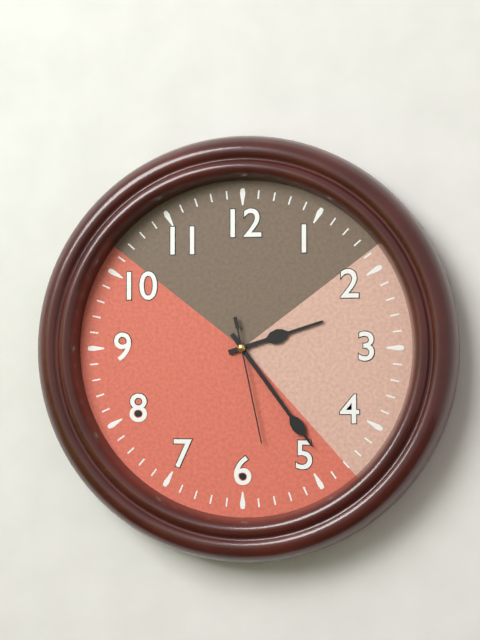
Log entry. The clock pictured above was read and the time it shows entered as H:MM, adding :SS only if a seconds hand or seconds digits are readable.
2:24:28
